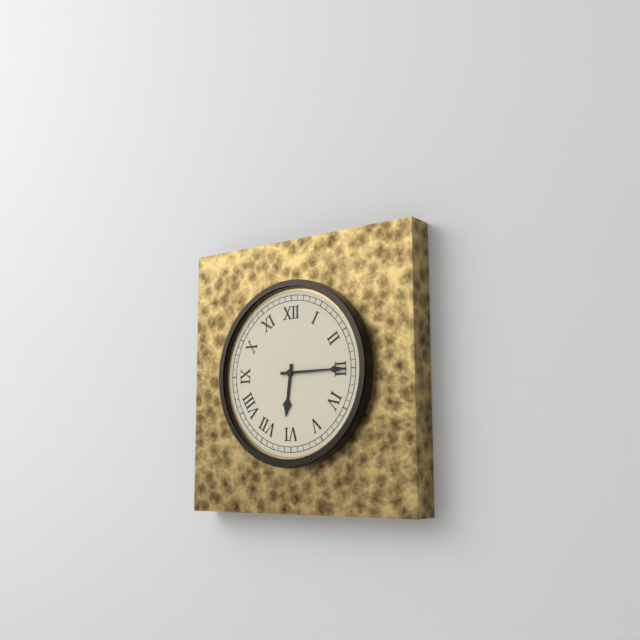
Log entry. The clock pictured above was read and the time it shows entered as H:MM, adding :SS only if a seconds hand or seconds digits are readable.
6:15
